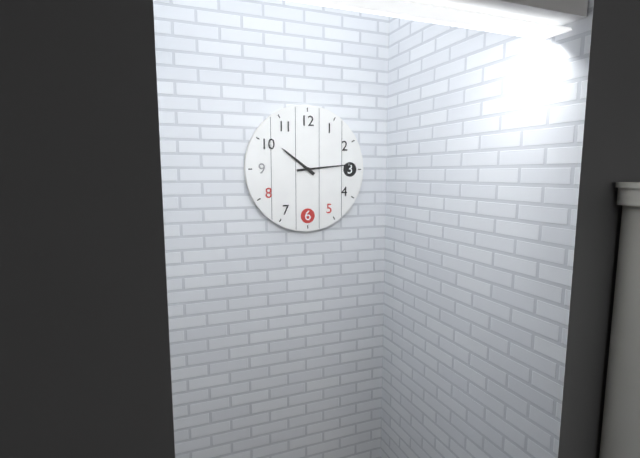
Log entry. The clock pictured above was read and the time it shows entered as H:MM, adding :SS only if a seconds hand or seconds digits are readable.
10:14
